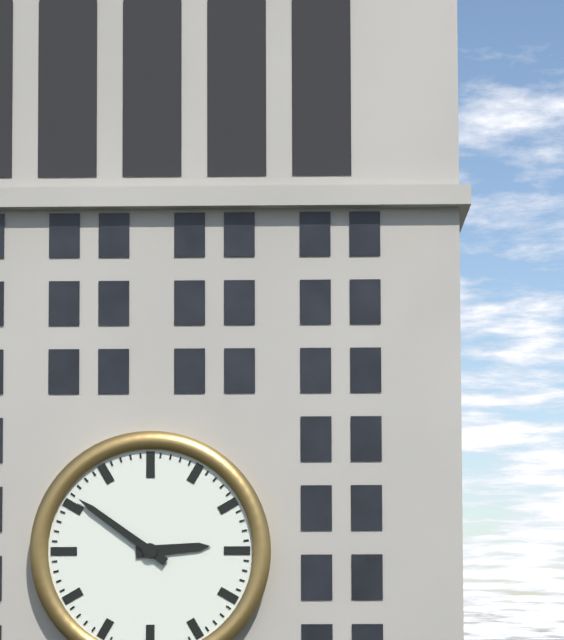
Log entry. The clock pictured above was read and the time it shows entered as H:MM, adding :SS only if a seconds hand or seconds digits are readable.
2:51
